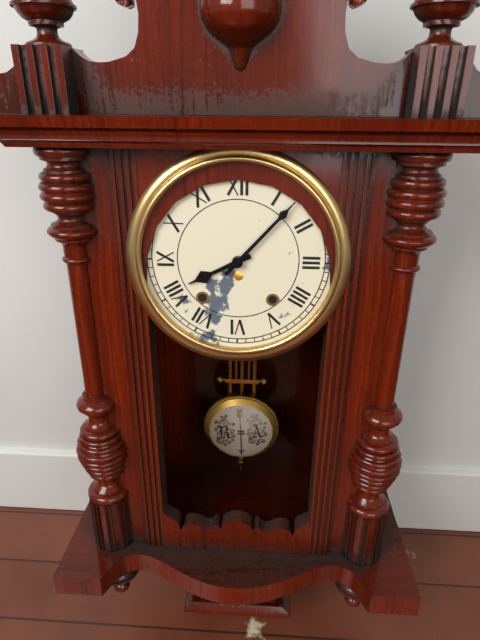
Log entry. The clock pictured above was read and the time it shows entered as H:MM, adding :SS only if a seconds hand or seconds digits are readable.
8:07
